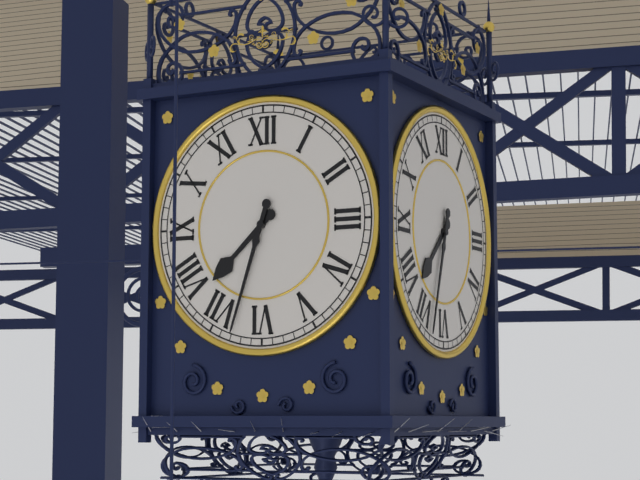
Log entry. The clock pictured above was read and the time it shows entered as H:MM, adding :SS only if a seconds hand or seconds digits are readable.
7:33
